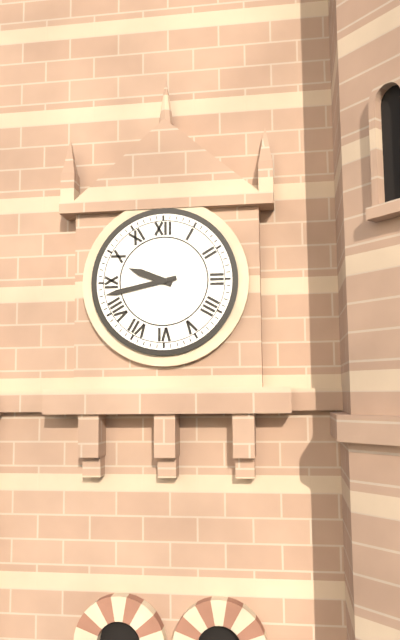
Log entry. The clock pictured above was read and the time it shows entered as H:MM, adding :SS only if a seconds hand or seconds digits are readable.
9:43
